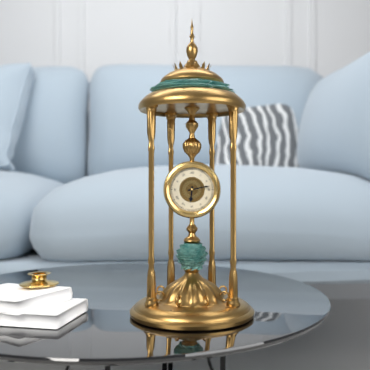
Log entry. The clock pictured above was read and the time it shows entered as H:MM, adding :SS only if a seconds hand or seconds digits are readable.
6:13
